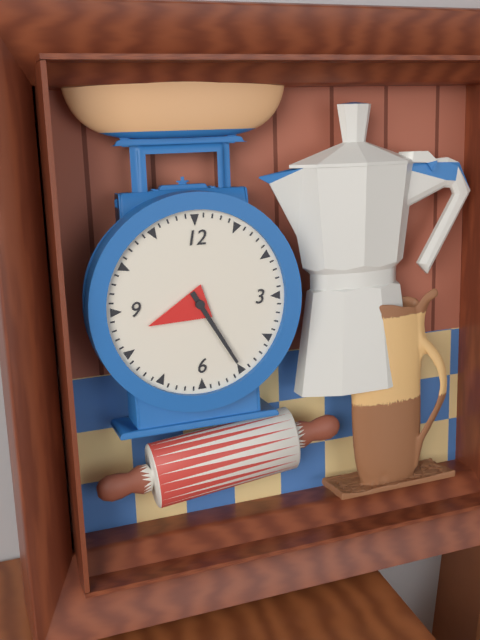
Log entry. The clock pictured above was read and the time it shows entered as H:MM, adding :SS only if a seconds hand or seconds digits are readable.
8:25
